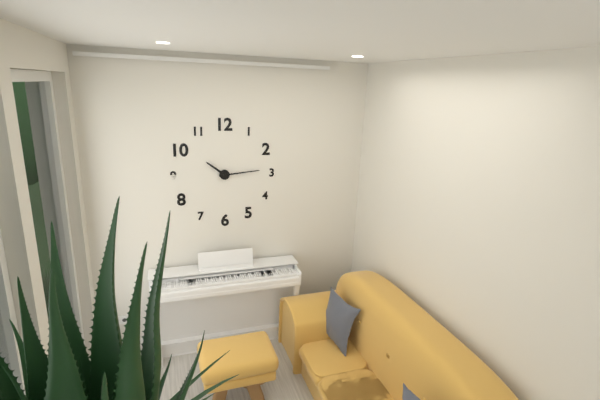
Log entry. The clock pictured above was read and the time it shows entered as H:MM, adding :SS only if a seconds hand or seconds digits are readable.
10:14
